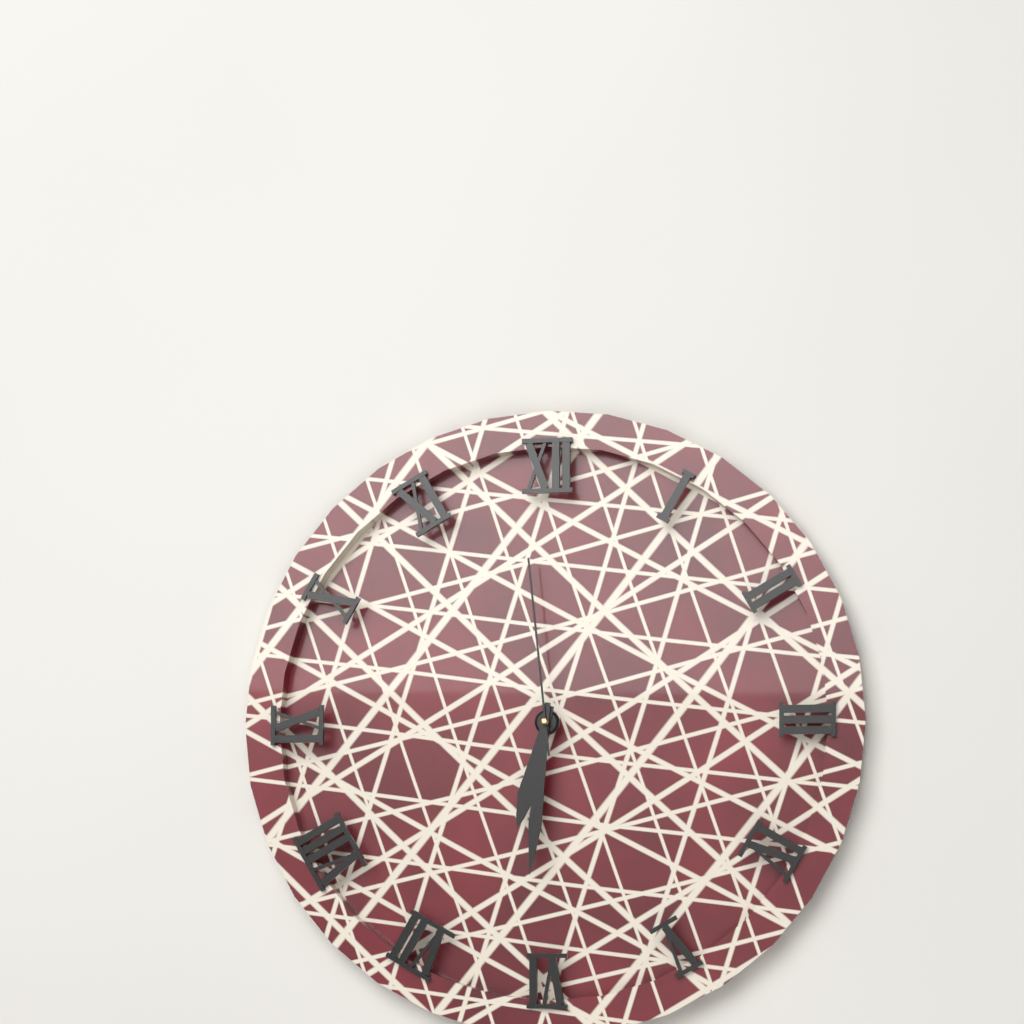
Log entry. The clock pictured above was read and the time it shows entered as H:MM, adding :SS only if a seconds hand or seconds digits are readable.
6:31:59
